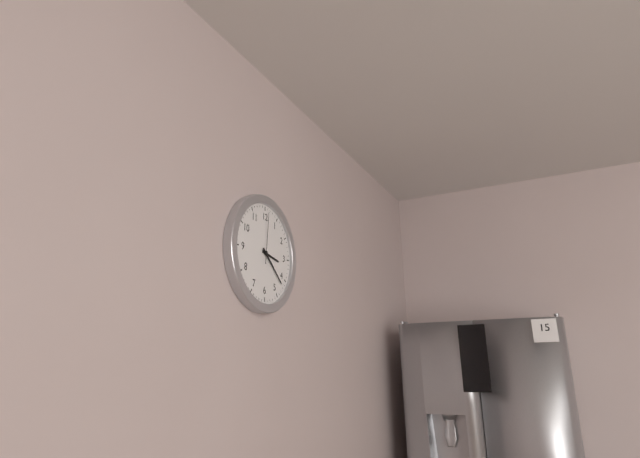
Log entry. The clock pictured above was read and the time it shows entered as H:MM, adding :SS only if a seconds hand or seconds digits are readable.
3:22:01
